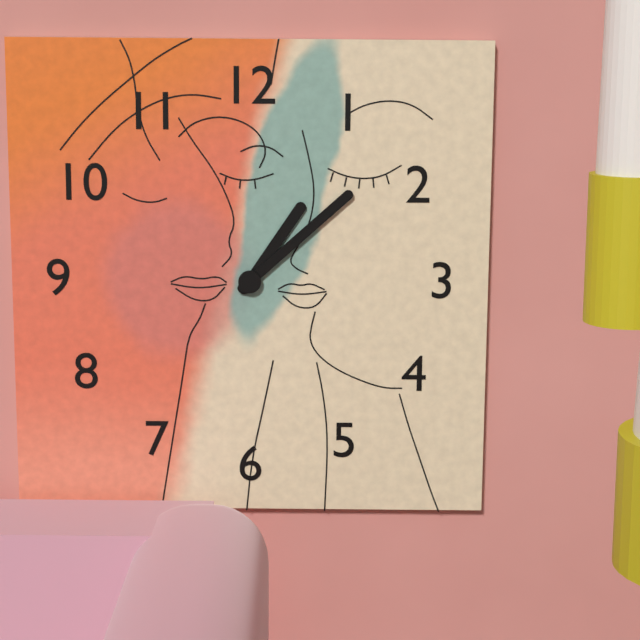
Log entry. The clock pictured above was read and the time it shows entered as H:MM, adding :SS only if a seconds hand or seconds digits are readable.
1:08
